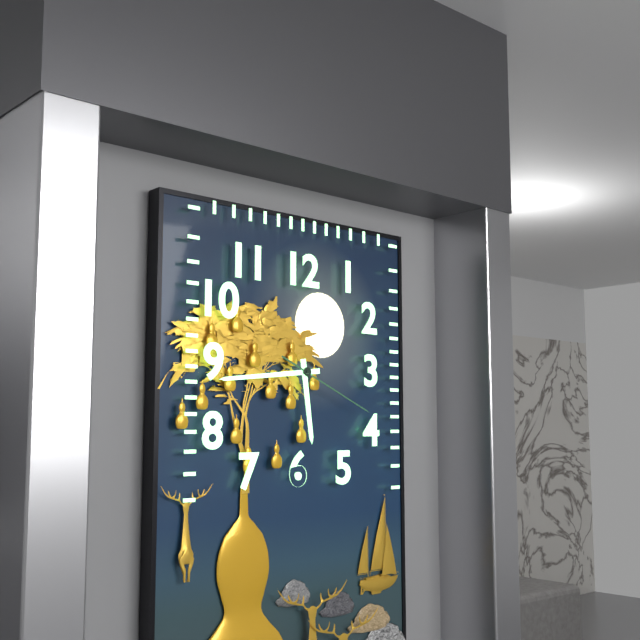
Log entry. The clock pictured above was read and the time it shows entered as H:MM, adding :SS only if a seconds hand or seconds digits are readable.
5:44:19
